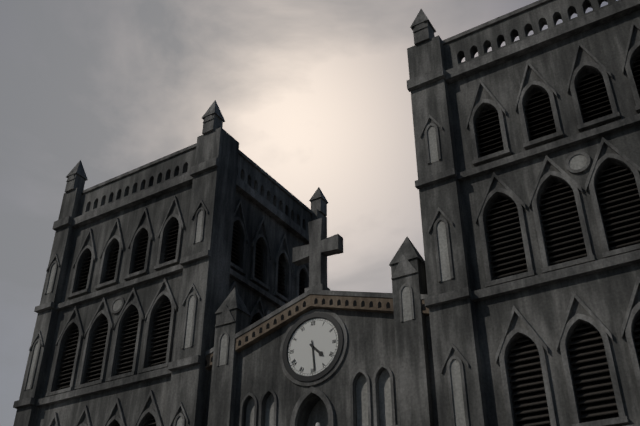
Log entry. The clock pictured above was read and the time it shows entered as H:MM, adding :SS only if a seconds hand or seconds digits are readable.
4:29
